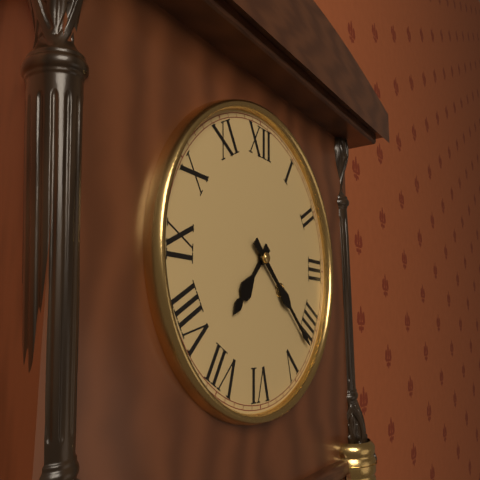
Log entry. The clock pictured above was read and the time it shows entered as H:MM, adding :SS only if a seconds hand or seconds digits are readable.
7:22
